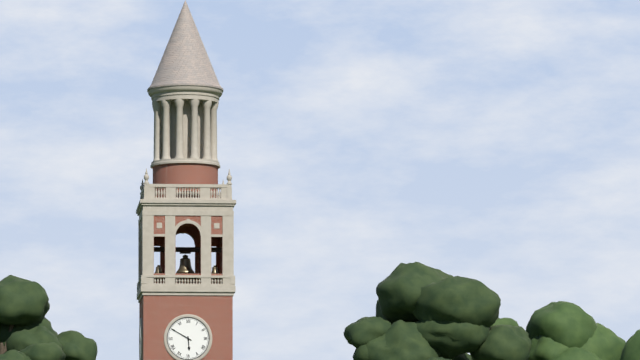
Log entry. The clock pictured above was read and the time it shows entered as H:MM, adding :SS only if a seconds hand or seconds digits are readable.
5:50
